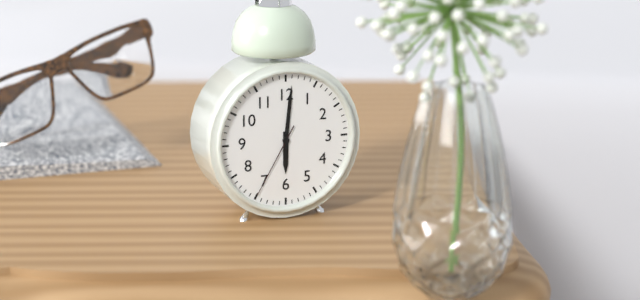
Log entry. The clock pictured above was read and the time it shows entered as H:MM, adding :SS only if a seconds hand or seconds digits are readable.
6:01:35
